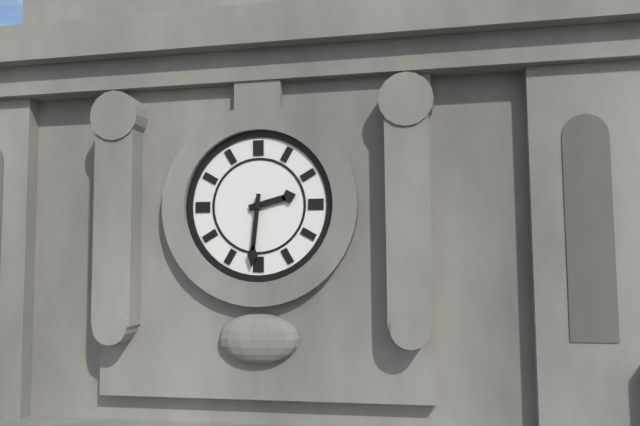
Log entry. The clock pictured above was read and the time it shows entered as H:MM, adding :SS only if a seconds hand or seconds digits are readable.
2:31
